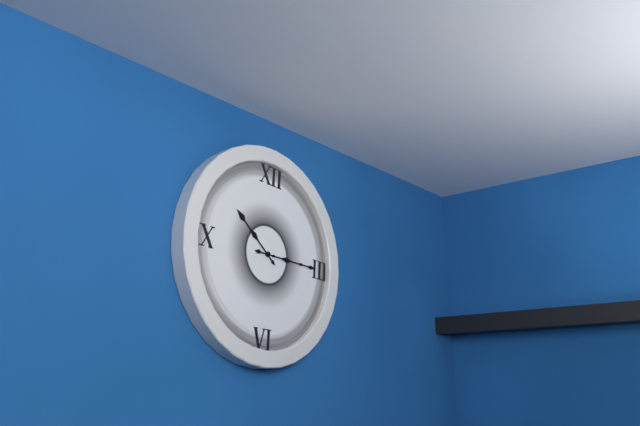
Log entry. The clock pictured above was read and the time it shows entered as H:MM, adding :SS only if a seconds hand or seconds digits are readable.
10:15
